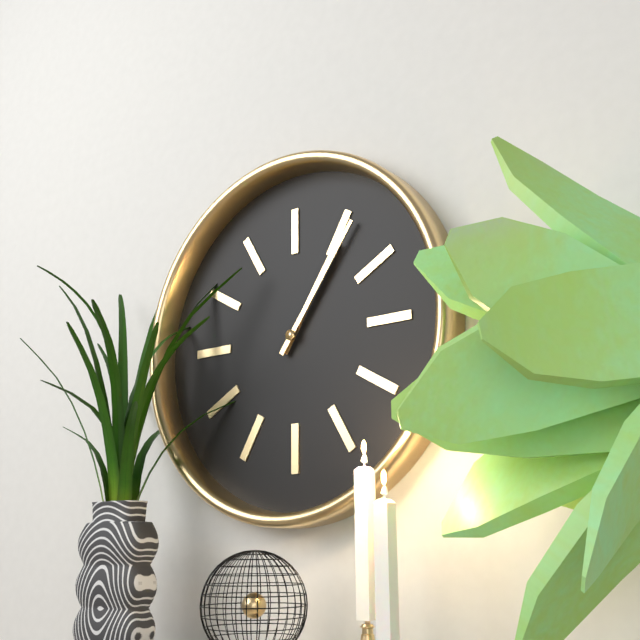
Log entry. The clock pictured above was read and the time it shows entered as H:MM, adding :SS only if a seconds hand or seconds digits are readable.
1:06
